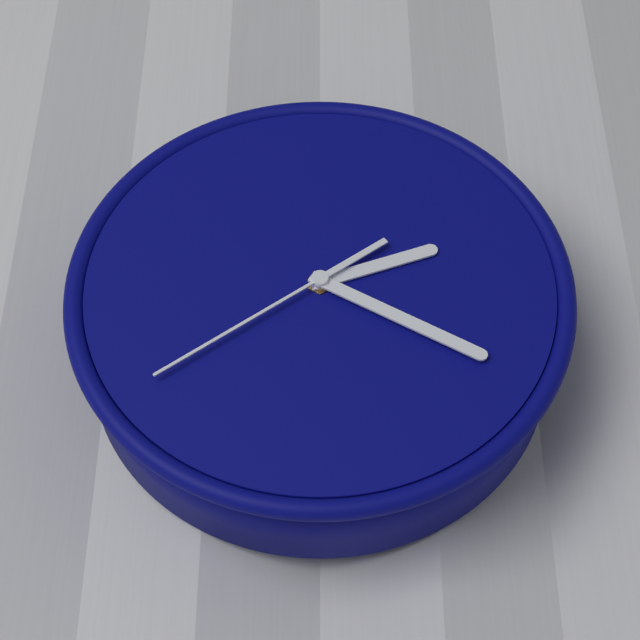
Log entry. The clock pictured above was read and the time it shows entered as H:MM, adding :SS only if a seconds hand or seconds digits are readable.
2:20:39
